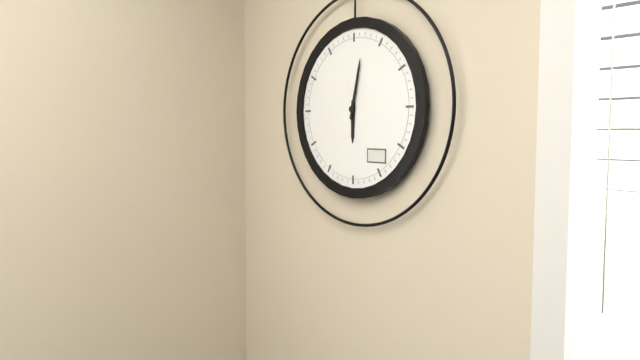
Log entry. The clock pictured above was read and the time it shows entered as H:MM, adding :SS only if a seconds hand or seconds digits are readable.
6:02
